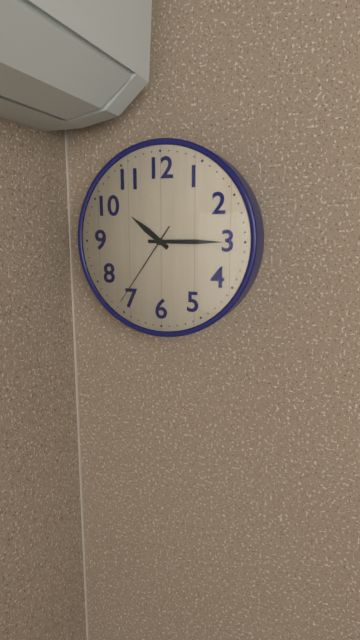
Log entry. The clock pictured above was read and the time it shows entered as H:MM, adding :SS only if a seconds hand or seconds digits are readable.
10:15:36
